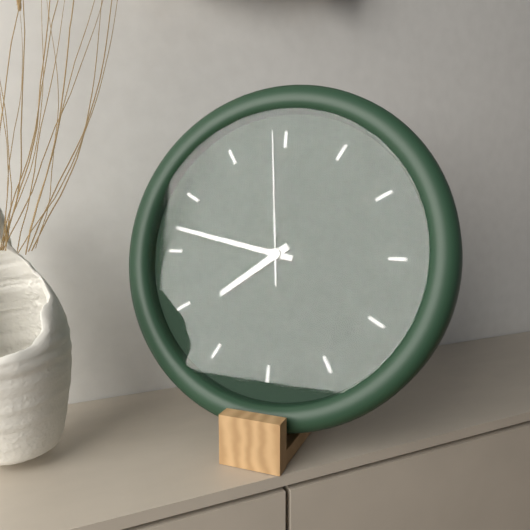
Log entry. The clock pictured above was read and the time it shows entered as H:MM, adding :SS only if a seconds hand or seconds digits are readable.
7:47:59
